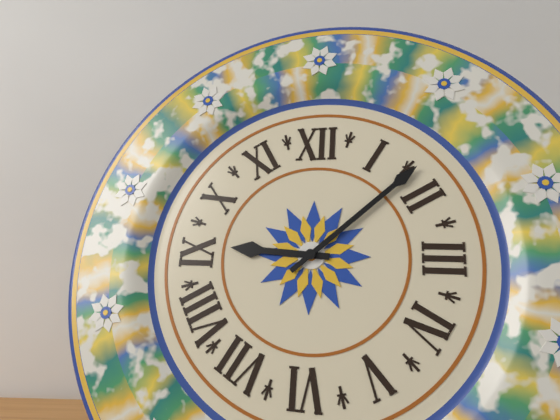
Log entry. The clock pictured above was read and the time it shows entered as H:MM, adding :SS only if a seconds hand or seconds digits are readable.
9:08
